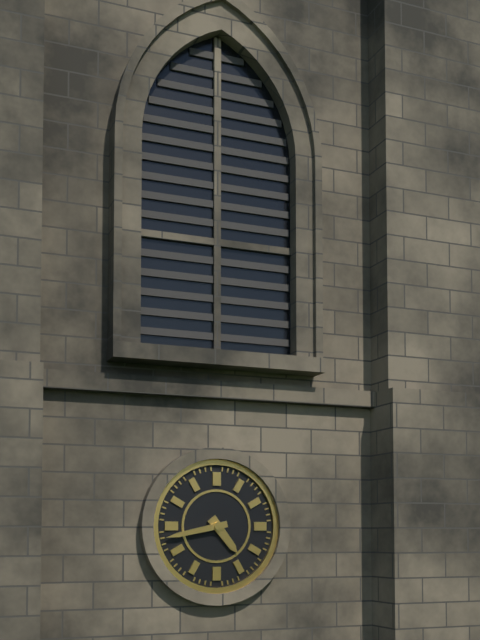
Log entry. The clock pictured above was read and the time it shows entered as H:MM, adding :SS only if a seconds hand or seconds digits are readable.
4:43
